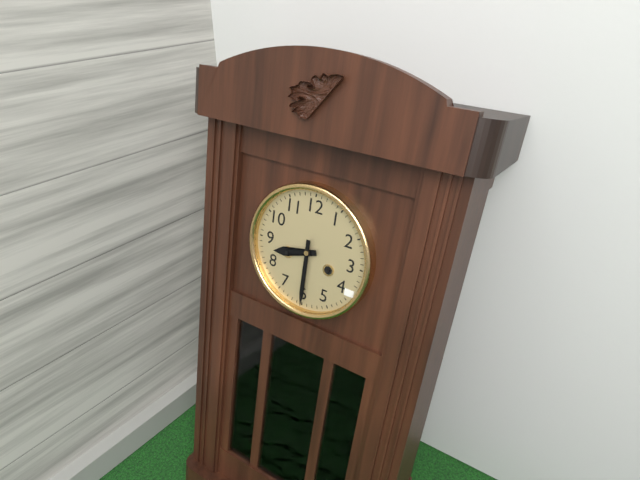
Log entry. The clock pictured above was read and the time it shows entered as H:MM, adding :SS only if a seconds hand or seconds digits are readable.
8:30
